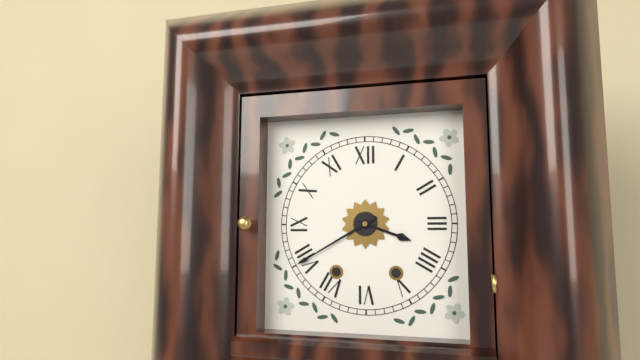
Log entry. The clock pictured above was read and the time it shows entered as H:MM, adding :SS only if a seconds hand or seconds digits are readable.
3:40
